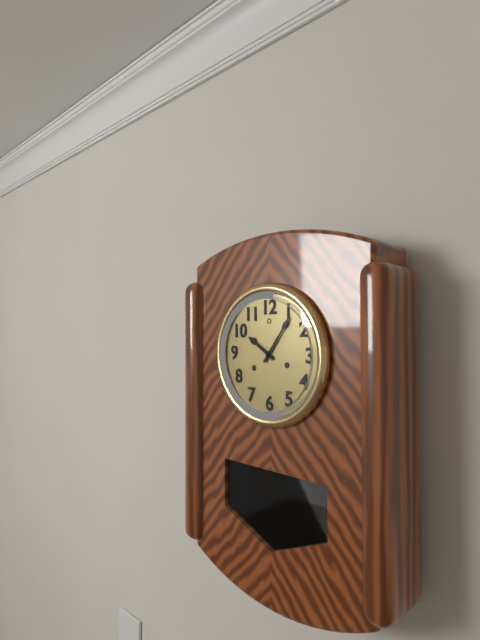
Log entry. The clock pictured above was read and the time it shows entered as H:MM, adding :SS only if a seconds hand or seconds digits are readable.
10:06
